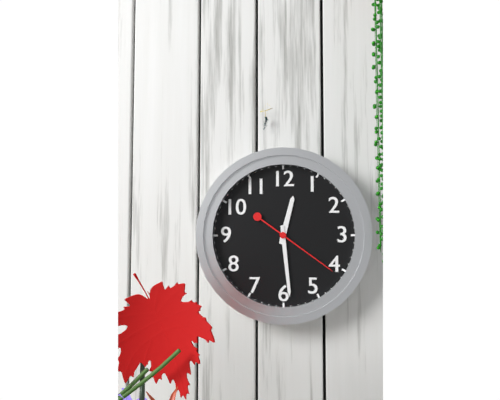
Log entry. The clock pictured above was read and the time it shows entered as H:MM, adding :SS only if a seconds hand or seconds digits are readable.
12:29:21
